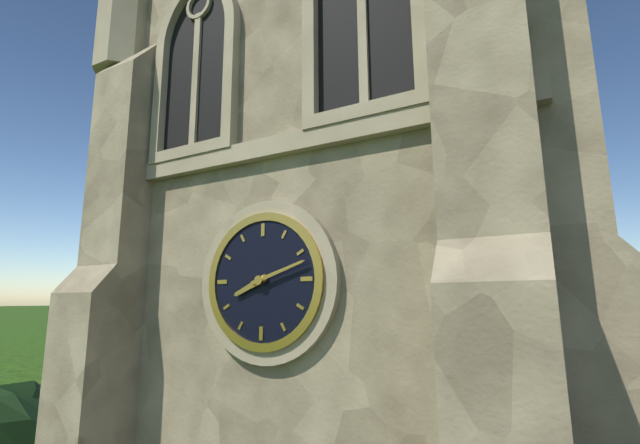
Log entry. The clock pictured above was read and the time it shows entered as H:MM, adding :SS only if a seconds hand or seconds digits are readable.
8:12
